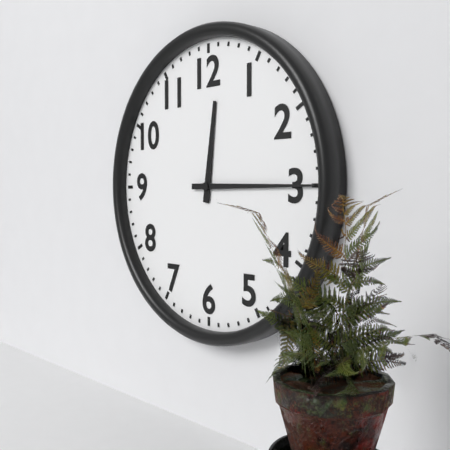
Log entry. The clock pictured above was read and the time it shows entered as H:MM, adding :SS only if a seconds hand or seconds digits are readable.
12:15
